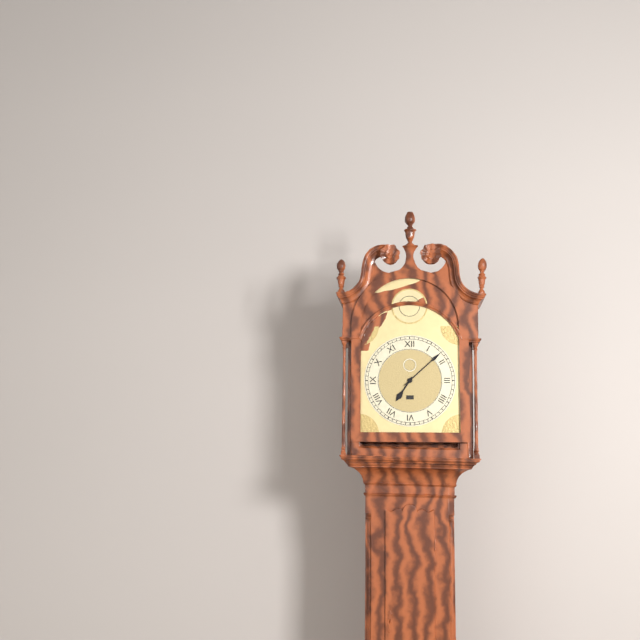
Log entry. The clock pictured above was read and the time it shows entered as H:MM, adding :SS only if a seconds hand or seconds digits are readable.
7:08
